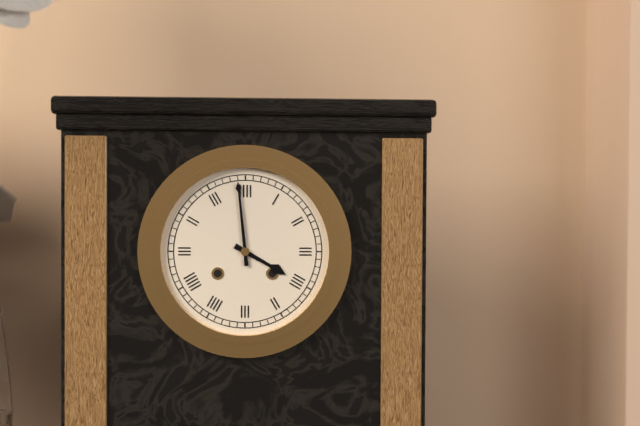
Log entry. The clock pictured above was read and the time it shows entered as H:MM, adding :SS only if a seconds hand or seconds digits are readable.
3:59
